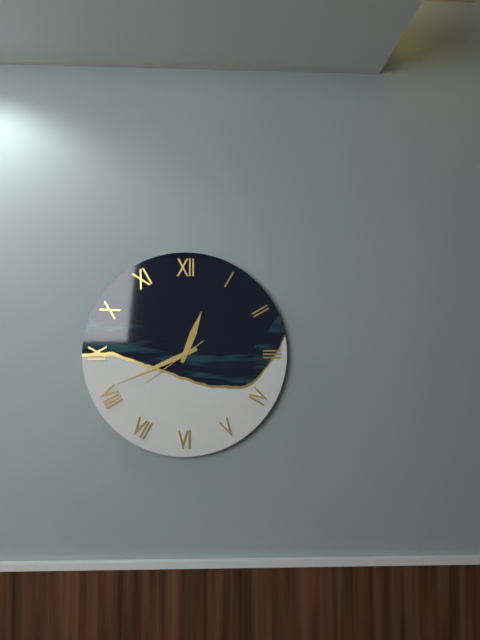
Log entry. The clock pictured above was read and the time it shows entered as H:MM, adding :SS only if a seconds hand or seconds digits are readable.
12:41:39
